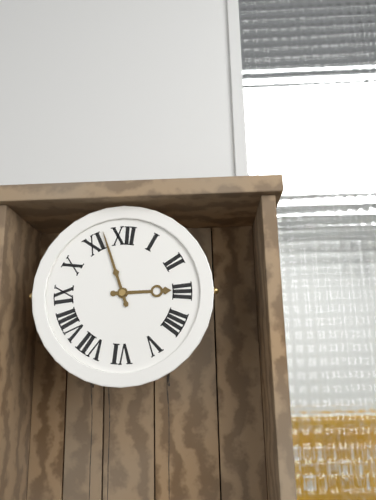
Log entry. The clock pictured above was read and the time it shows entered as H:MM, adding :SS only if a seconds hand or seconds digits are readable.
2:57
